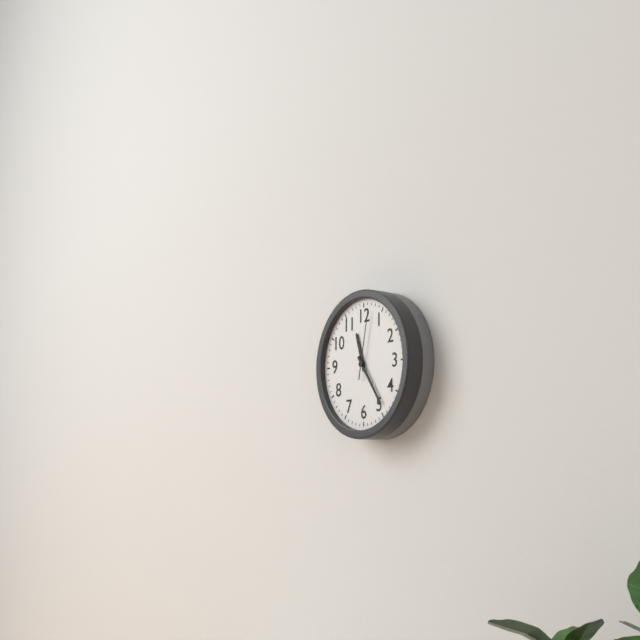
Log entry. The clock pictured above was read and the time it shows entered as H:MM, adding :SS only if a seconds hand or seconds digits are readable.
11:24:02
